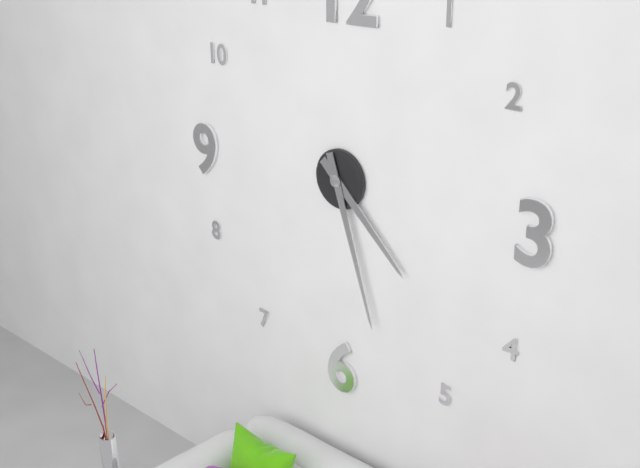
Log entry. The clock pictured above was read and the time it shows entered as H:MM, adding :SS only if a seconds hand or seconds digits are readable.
4:27
